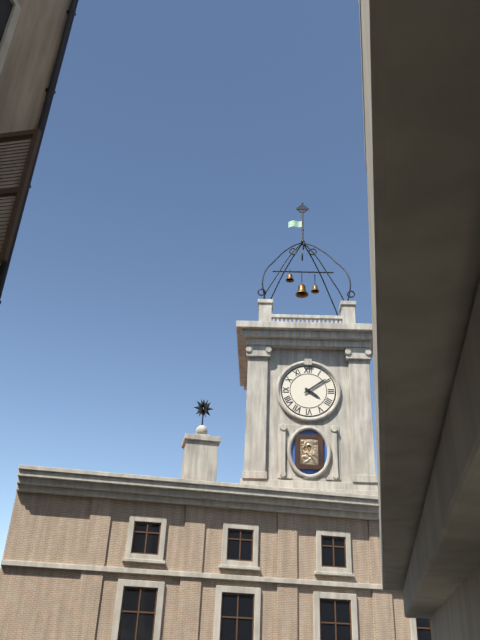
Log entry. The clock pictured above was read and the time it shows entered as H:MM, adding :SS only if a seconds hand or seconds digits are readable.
4:09
